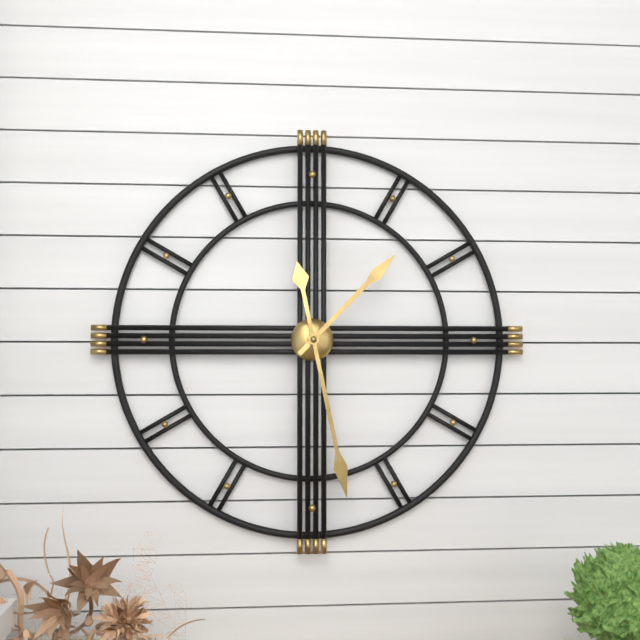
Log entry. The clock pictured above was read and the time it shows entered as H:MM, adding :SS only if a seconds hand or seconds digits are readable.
1:28
